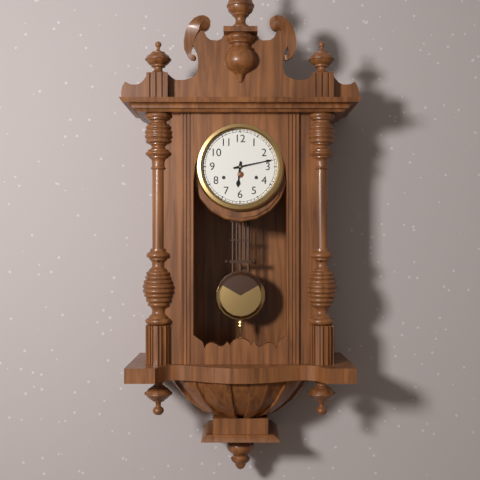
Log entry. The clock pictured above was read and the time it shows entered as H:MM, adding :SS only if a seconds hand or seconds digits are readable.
6:13
